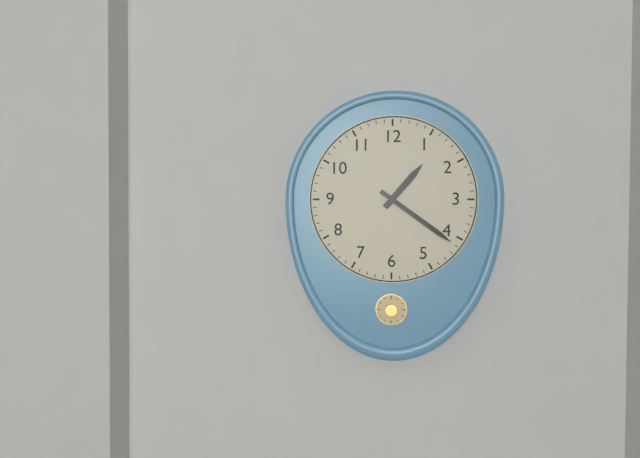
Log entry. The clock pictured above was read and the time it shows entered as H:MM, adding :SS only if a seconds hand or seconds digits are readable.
1:21
